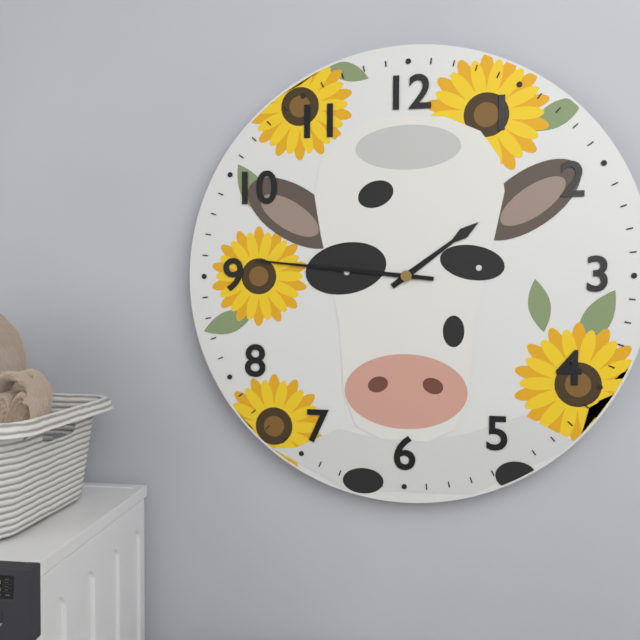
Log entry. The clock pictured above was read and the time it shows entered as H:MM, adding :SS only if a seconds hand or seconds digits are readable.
1:46
